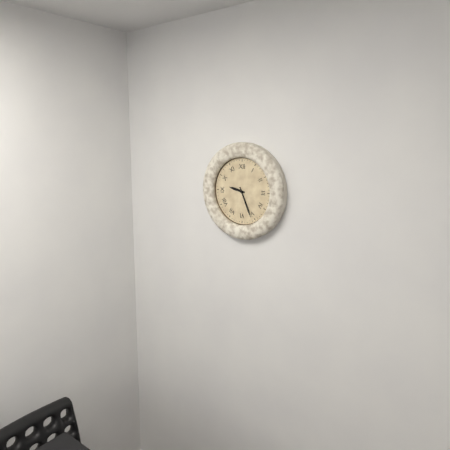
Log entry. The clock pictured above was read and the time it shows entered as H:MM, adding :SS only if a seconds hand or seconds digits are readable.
9:26
